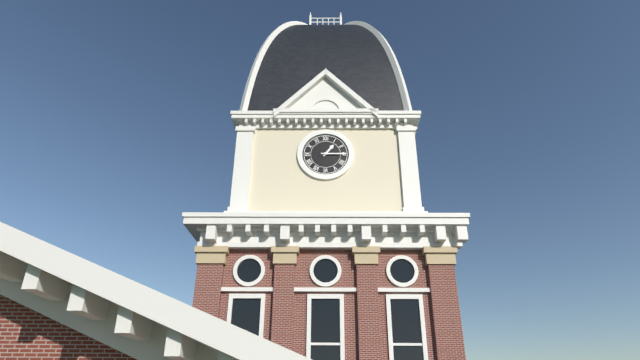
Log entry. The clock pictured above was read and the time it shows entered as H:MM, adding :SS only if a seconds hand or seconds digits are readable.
1:15
